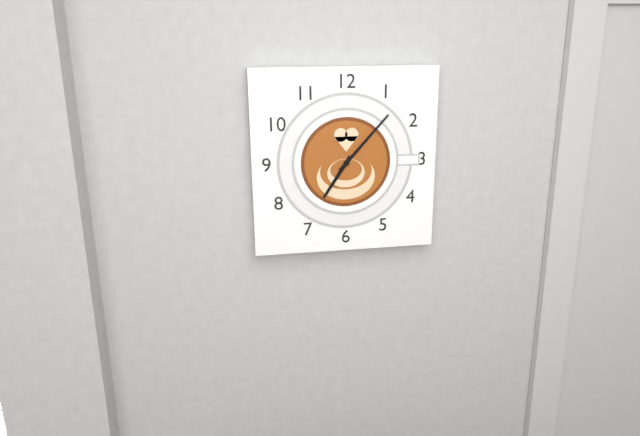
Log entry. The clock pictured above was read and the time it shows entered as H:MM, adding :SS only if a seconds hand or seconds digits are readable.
7:07
